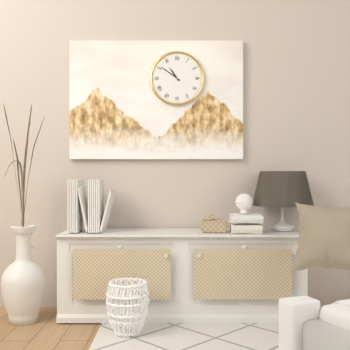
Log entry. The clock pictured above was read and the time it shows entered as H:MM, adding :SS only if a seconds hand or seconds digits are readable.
10:51
